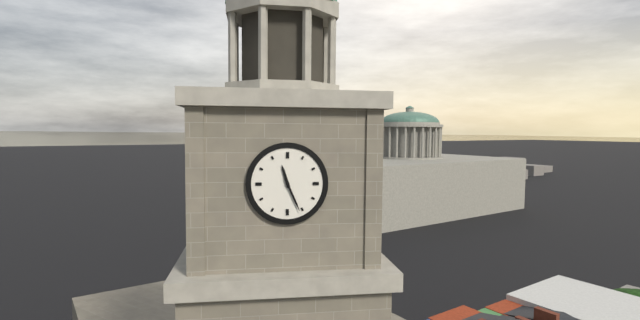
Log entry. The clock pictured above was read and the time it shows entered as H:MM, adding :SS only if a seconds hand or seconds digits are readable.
11:26
